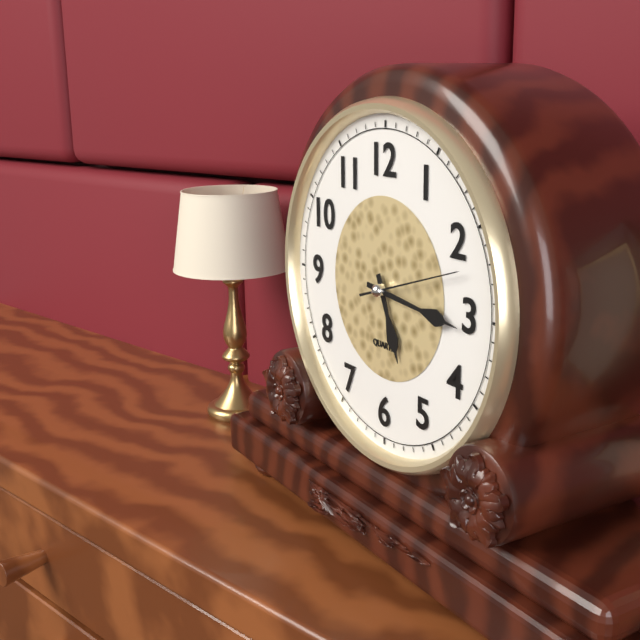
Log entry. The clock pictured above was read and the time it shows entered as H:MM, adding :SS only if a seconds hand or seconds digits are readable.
5:16:12
